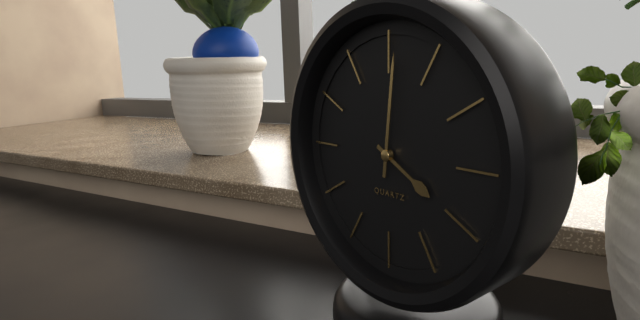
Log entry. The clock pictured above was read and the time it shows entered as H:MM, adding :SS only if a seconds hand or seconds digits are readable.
4:01
